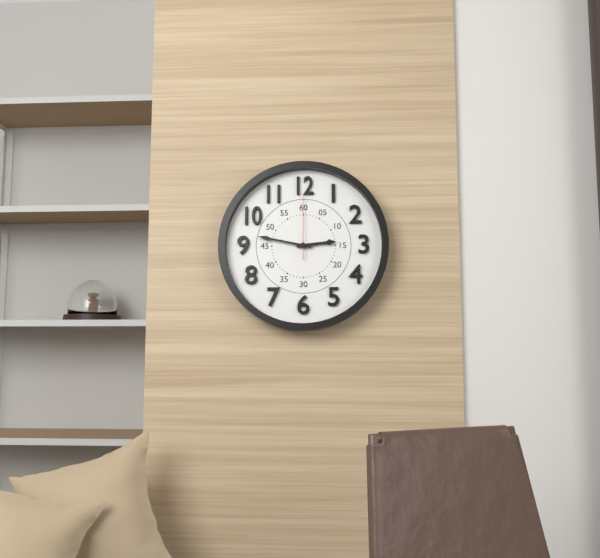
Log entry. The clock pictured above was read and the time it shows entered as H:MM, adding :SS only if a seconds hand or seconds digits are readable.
2:47:00
